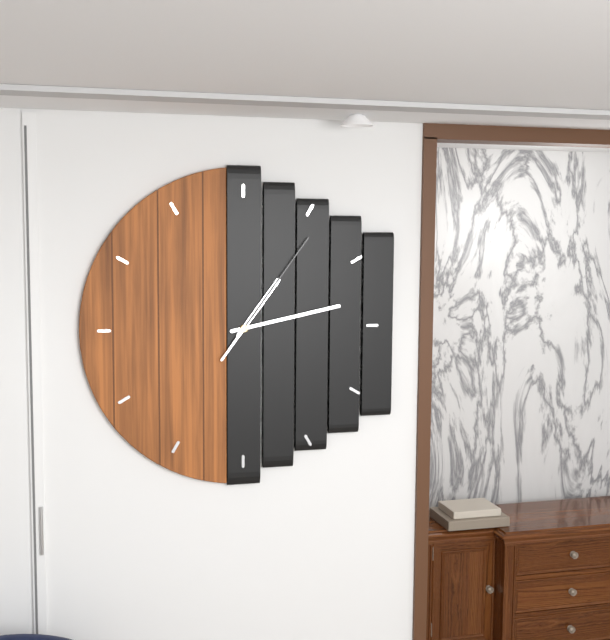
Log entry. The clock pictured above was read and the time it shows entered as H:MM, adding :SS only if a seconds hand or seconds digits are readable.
1:13:06
